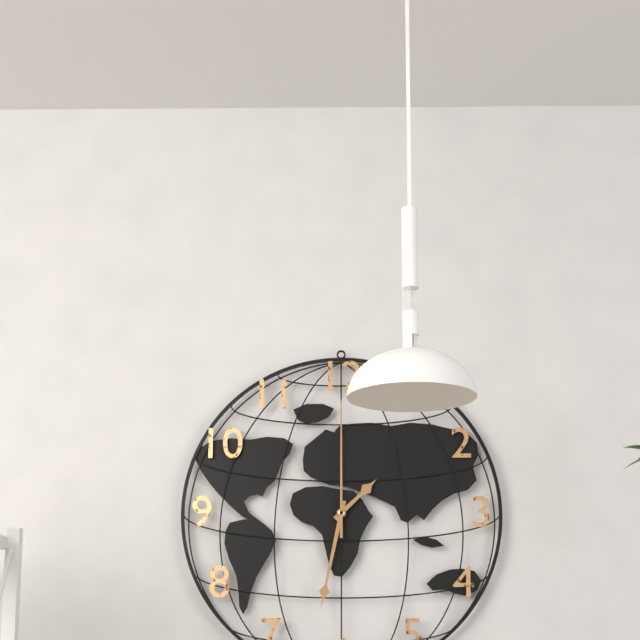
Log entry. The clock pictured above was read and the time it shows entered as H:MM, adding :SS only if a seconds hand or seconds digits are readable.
1:32:00
